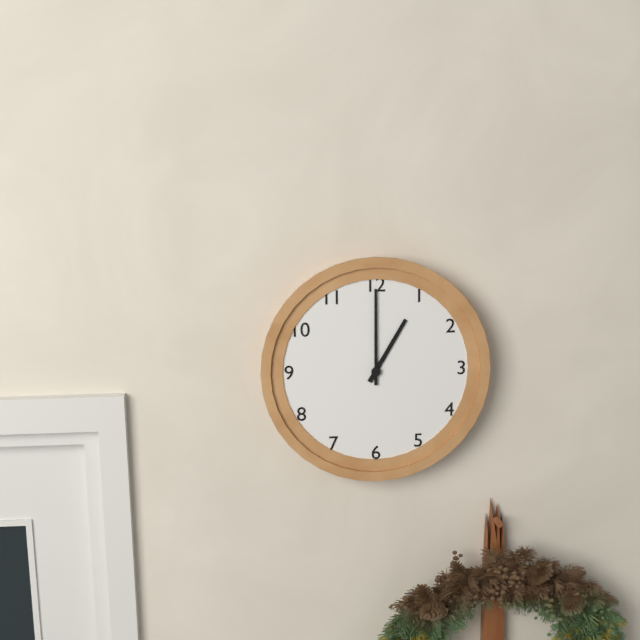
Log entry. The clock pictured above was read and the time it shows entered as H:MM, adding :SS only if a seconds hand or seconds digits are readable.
1:00
